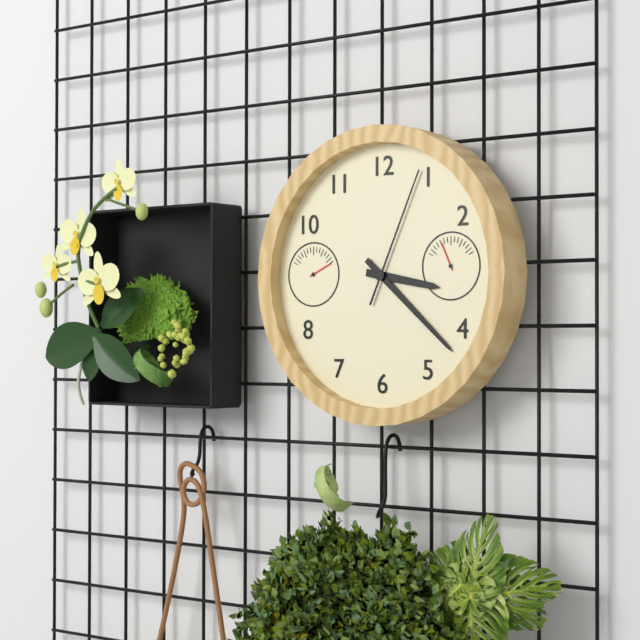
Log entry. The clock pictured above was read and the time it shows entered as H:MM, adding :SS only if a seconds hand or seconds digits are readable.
3:22:04
